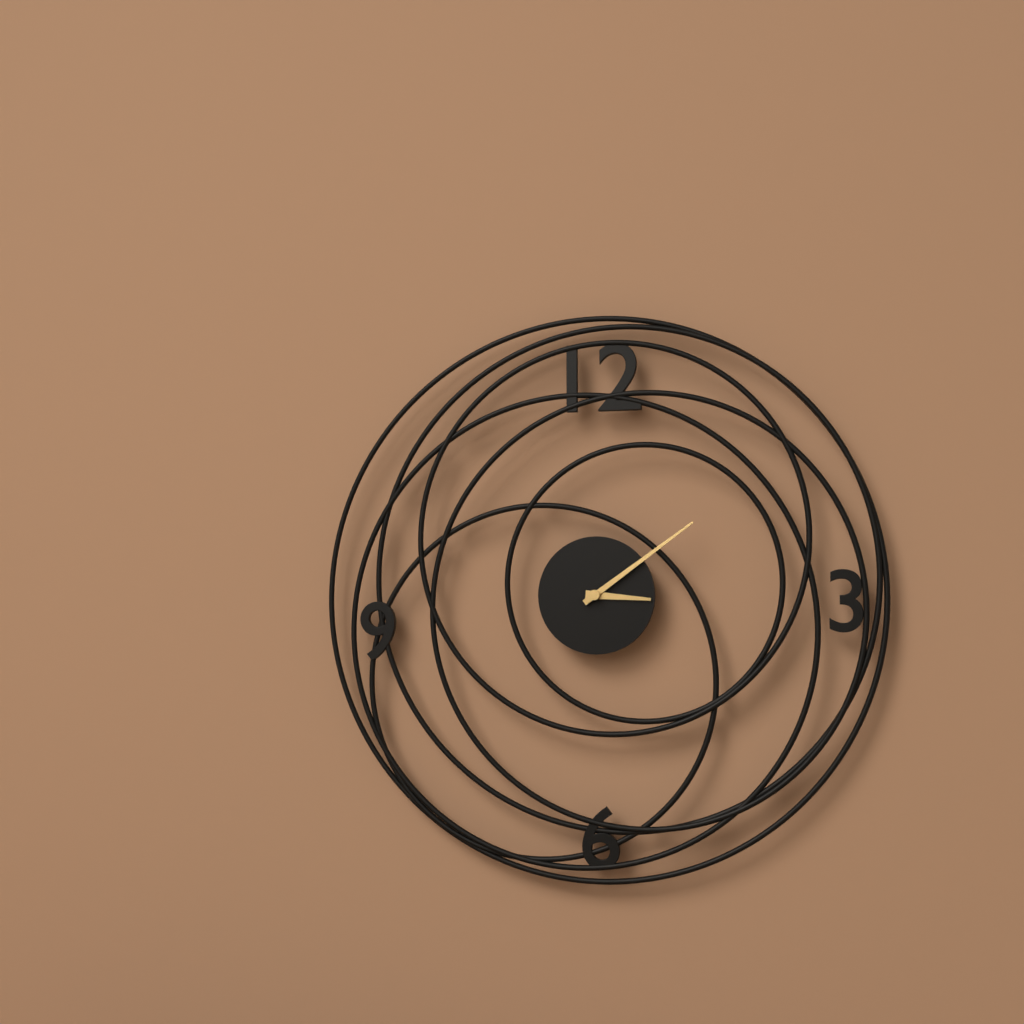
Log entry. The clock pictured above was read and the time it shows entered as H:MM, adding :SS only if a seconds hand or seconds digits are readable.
3:09
